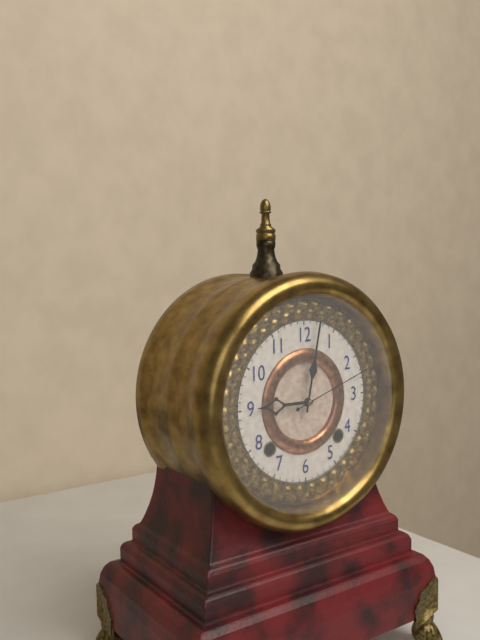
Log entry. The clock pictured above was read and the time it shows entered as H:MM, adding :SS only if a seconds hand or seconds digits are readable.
9:02:12
